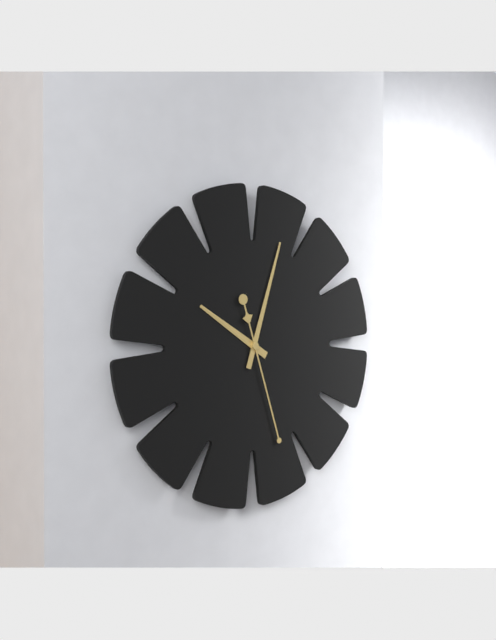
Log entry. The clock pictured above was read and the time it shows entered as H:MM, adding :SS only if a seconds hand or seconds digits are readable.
10:03:27
